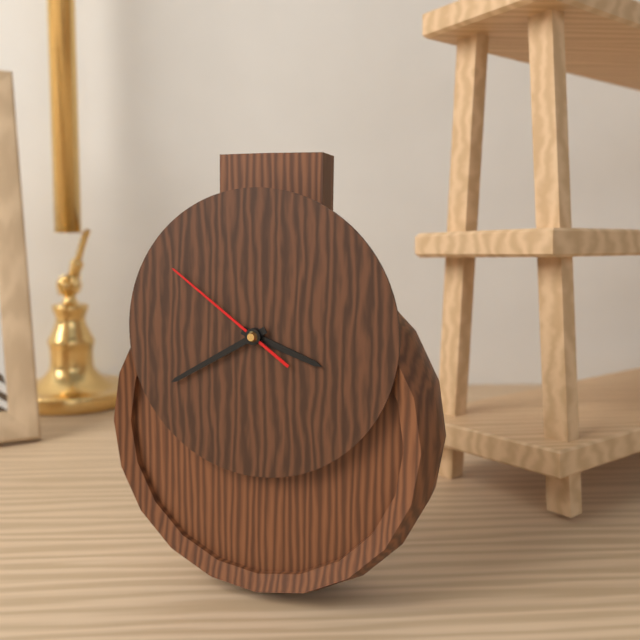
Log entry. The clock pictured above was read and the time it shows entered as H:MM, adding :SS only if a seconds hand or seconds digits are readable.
3:40:51
